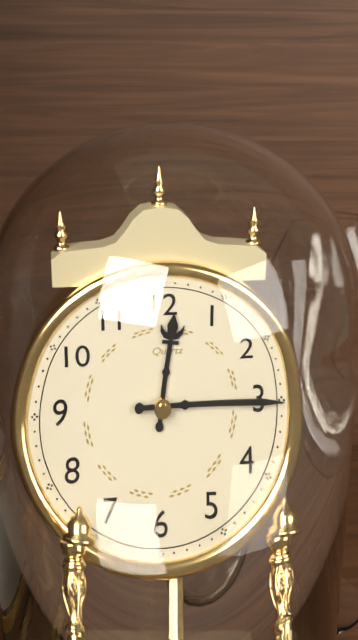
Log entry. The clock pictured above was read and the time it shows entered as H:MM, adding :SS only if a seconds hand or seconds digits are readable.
12:15
